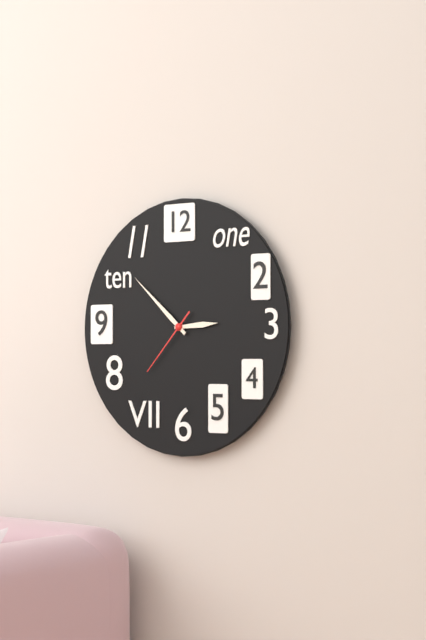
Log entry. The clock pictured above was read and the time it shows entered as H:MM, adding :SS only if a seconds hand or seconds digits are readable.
2:52:37
